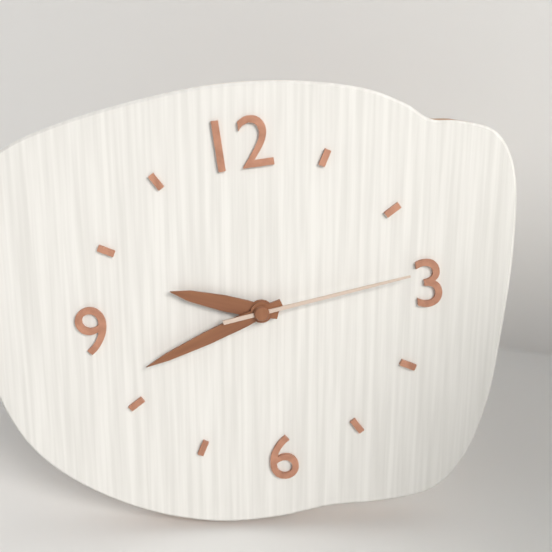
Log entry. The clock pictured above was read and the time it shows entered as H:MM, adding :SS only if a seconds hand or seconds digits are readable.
9:42:14
